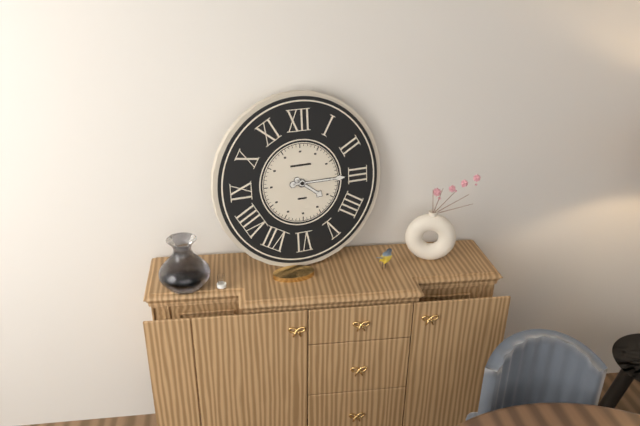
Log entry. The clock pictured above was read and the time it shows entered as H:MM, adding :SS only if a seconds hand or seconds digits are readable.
4:15
